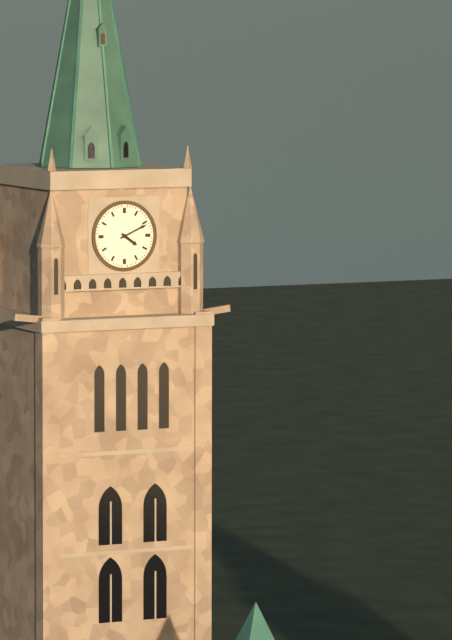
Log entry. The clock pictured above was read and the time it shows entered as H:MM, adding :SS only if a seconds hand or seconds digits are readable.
4:11
